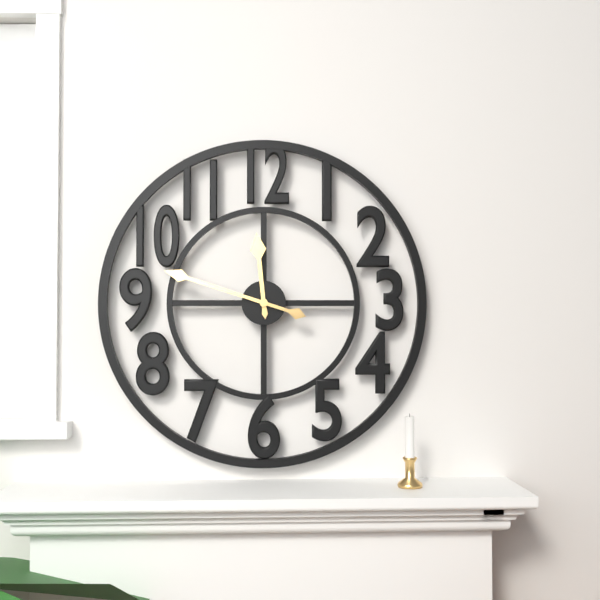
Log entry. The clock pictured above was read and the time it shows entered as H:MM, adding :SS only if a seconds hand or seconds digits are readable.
11:48
